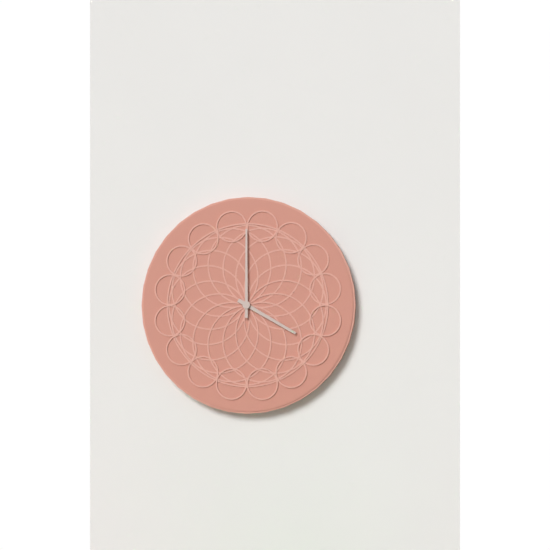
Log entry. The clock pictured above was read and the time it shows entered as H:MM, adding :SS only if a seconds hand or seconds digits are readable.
4:00
